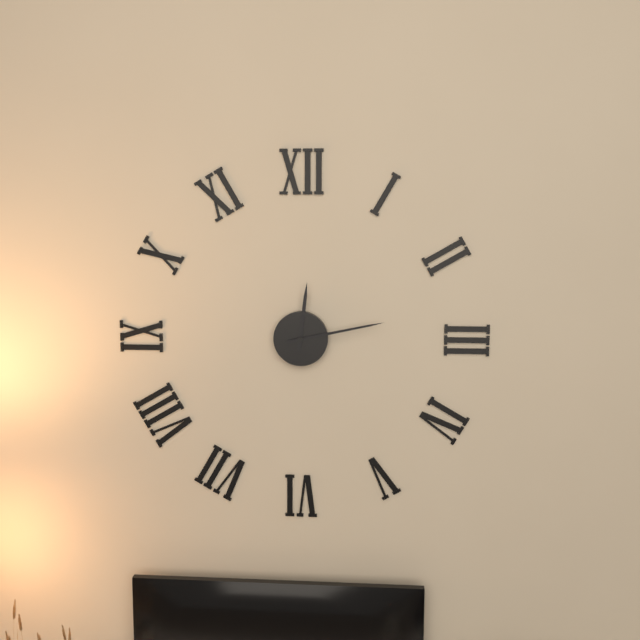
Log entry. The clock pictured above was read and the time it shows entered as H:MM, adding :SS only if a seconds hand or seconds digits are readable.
12:13
